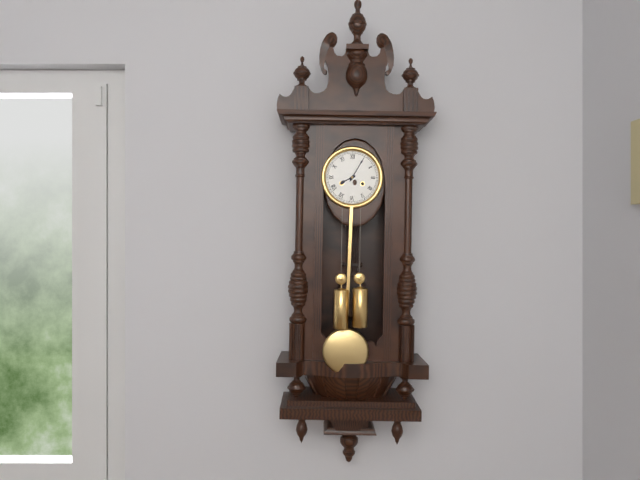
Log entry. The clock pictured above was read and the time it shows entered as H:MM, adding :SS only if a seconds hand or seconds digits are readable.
8:05
